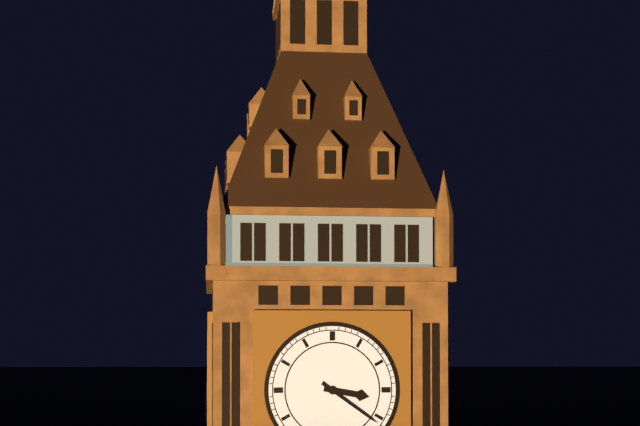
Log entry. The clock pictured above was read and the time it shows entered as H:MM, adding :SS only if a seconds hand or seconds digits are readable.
3:21
